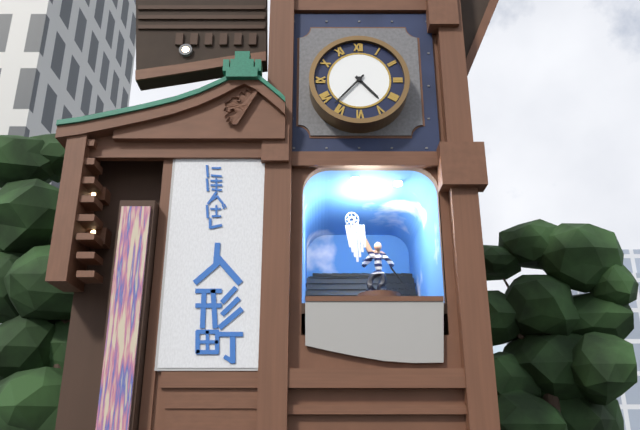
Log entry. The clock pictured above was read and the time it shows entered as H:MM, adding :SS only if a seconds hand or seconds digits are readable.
4:37
